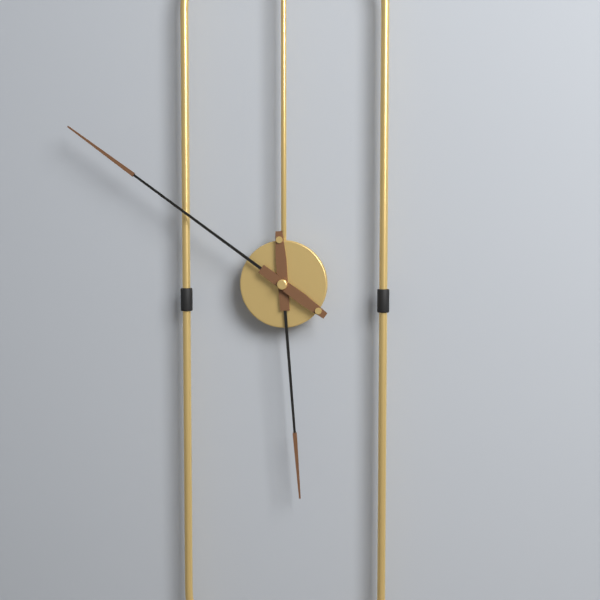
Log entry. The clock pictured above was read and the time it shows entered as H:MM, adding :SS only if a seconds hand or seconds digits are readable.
5:51
